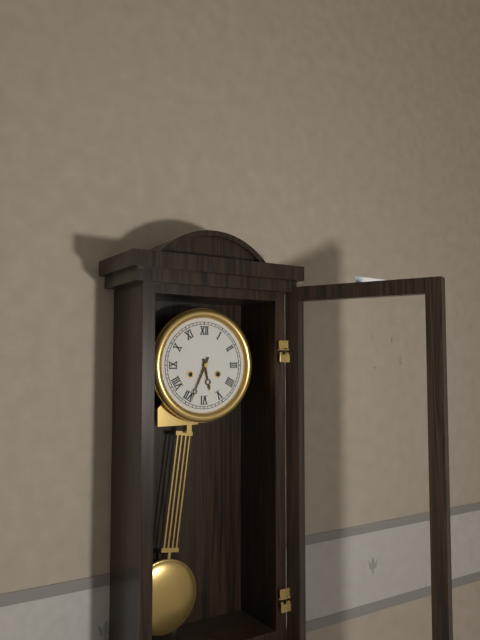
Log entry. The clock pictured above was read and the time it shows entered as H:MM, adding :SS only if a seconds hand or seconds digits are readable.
5:34
